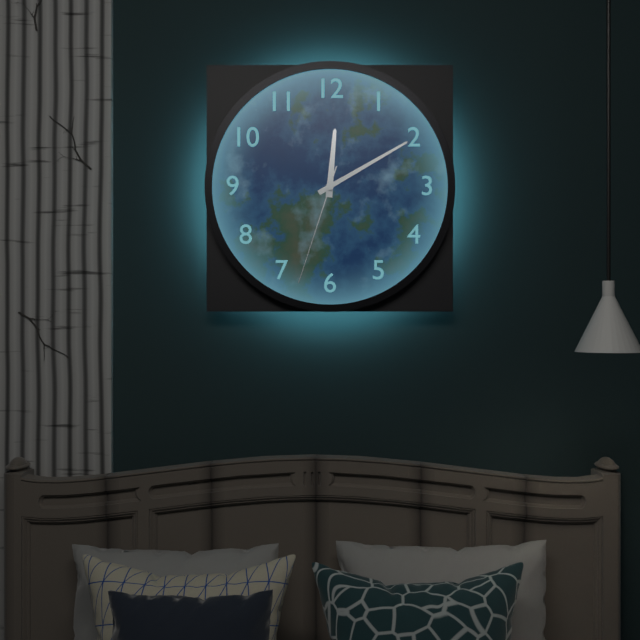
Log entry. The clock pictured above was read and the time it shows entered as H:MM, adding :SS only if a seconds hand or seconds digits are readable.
12:10:33
